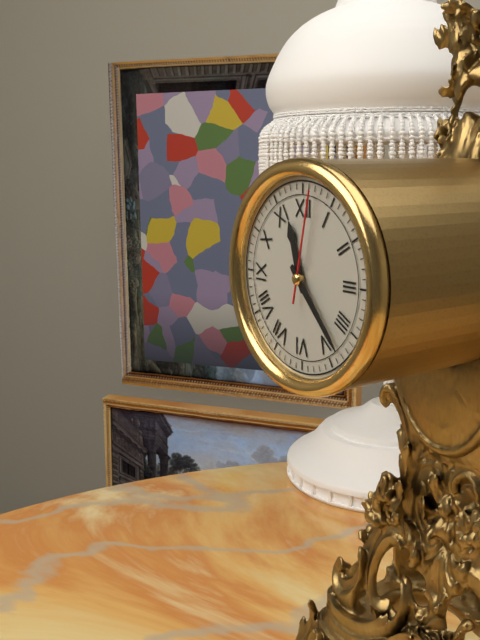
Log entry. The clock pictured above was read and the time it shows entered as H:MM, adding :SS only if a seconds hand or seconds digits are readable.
11:23:02
